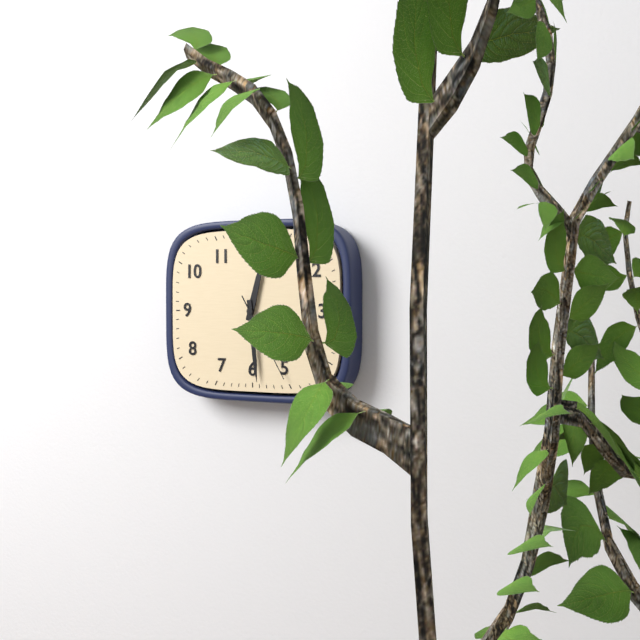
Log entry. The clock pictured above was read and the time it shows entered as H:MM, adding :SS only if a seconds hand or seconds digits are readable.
12:29:25
